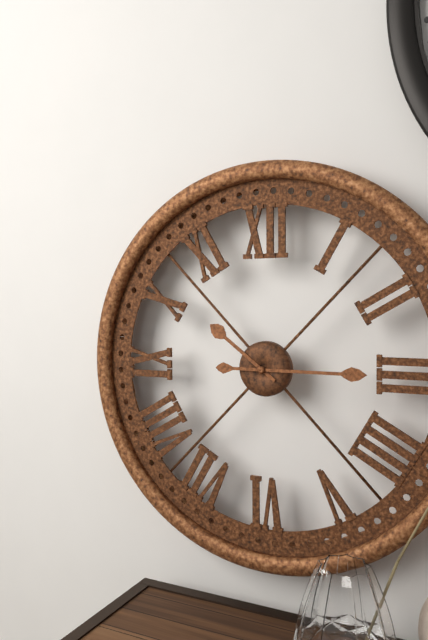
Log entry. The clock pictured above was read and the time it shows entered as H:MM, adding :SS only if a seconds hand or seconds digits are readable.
10:15
